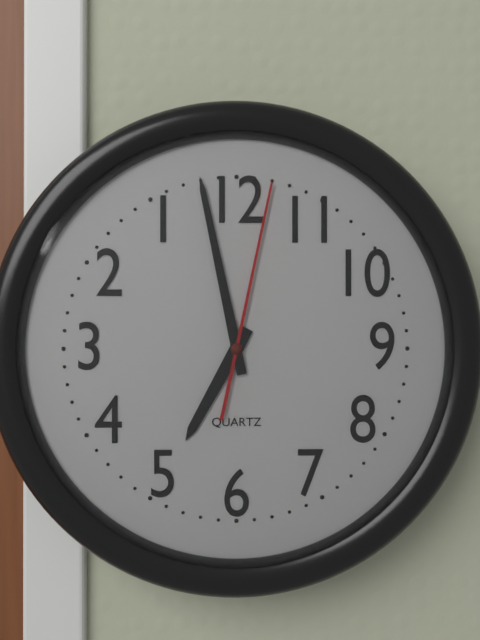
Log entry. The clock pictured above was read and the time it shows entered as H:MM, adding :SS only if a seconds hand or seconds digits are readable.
6:58:02
